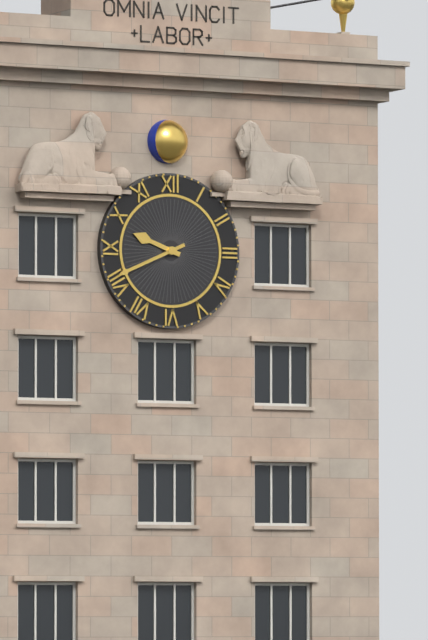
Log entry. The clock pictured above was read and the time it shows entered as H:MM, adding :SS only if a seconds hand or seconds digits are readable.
9:41
